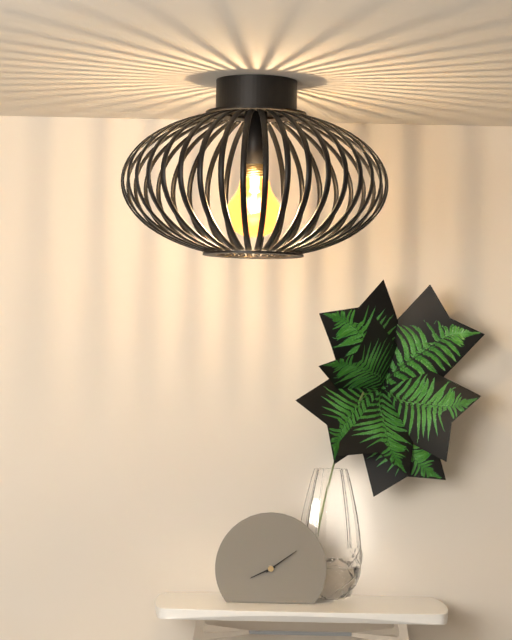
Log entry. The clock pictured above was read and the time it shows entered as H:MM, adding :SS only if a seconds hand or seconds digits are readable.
8:09
